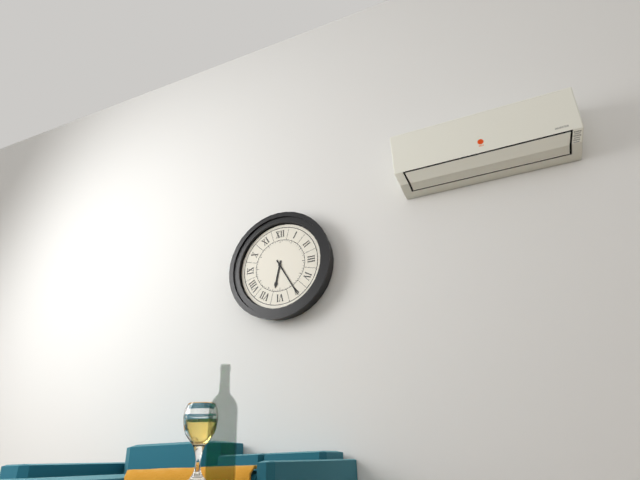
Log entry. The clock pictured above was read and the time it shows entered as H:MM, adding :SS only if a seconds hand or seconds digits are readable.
6:25
